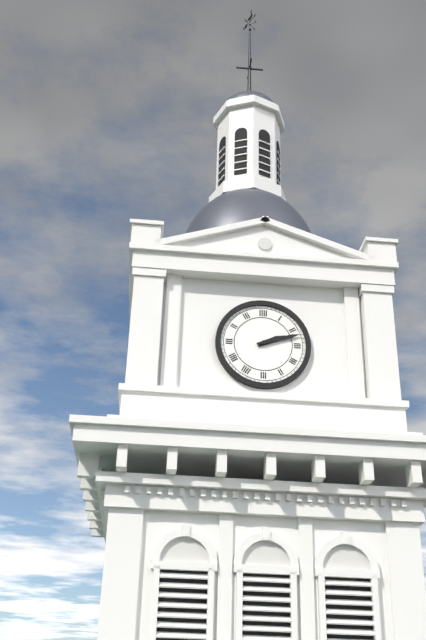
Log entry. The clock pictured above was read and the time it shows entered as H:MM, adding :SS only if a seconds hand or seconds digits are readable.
2:12
